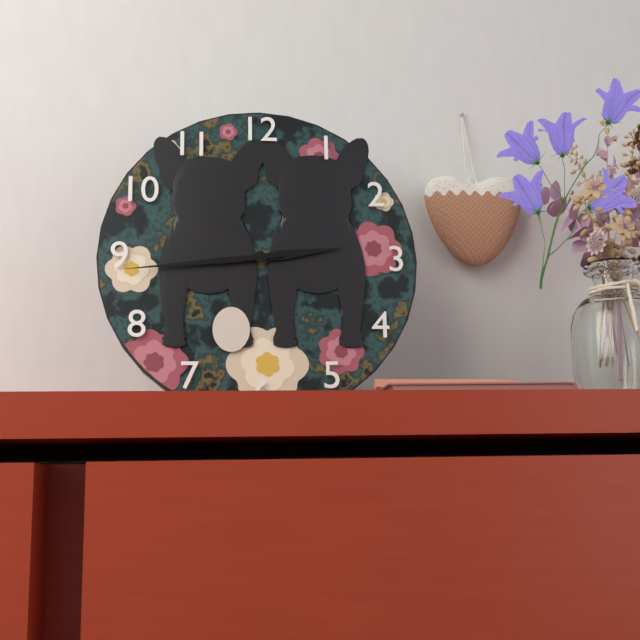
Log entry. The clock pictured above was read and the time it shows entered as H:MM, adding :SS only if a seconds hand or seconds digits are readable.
2:44
